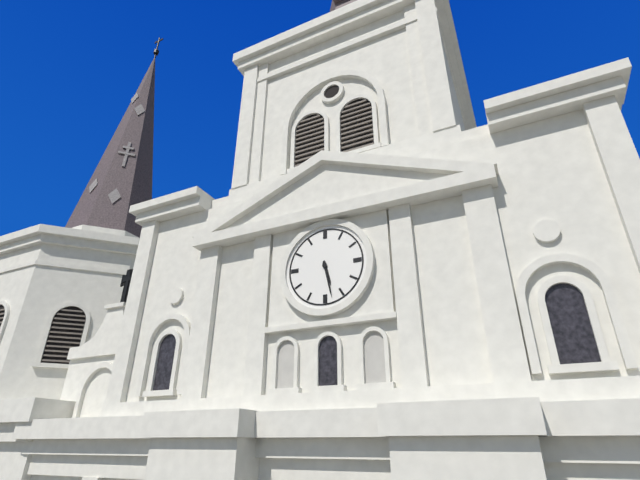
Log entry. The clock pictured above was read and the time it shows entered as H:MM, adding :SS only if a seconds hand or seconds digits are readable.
5:28
